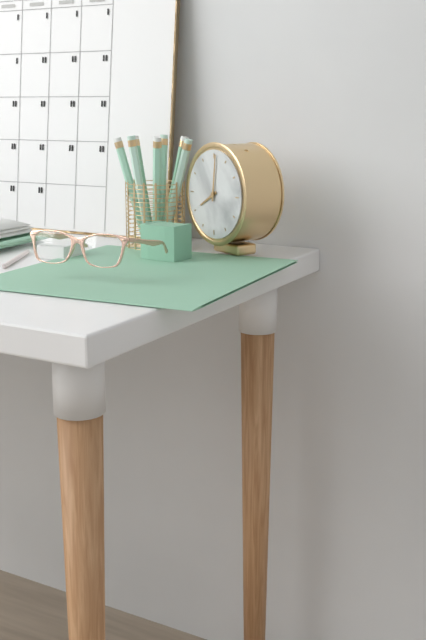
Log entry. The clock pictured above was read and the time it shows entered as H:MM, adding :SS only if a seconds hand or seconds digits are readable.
8:01
